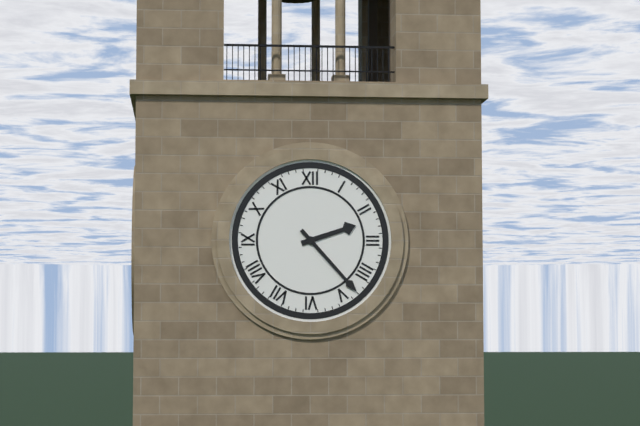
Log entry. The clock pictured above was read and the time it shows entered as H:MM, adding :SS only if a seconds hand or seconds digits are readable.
2:23
